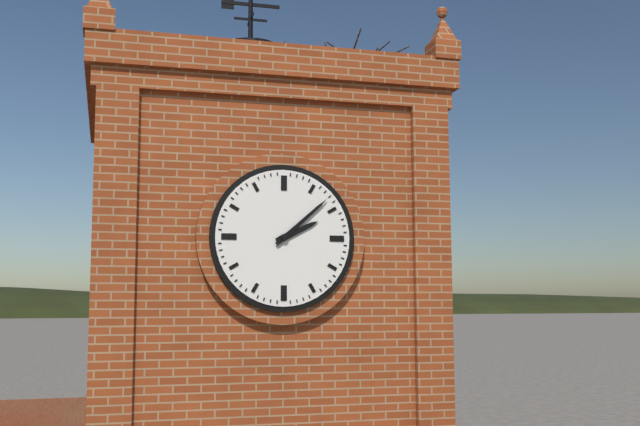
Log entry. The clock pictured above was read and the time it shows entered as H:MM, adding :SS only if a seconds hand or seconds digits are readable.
2:08
